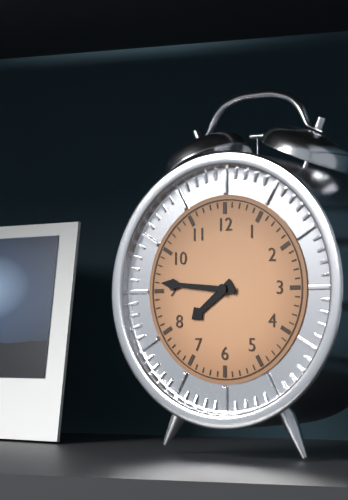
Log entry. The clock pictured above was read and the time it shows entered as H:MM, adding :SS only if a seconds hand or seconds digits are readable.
7:46
